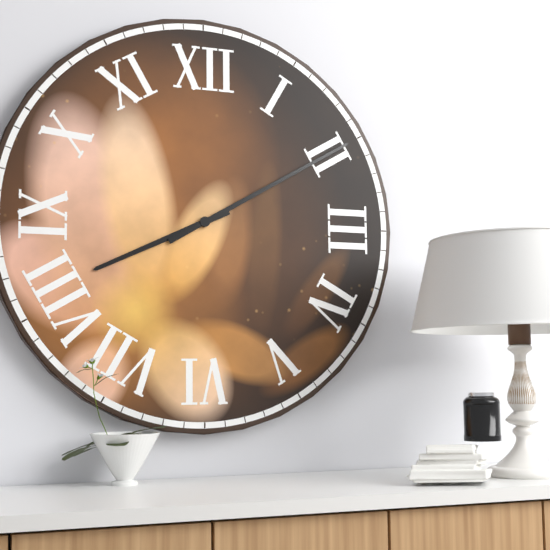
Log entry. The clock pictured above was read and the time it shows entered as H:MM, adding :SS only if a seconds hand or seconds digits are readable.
8:10
